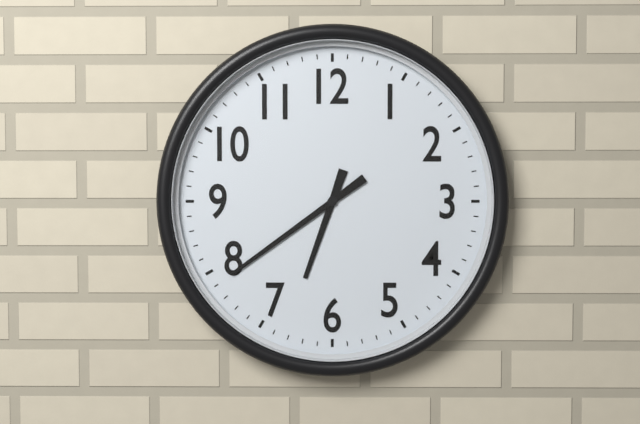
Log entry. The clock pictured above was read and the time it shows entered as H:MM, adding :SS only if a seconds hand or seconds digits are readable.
6:39
